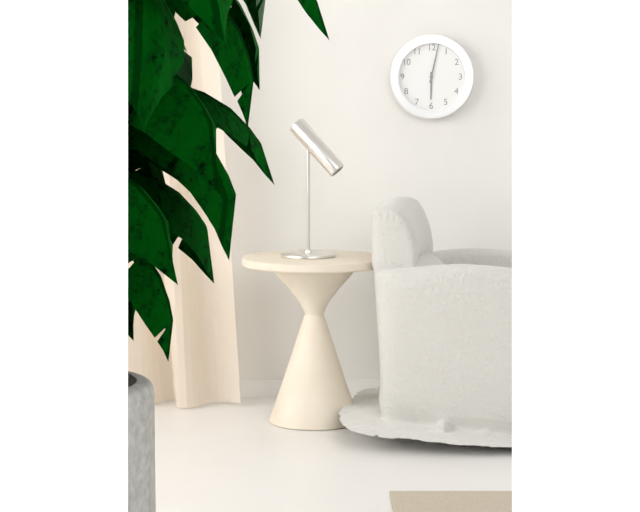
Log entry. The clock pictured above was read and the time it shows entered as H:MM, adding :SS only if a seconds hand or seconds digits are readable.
6:02
